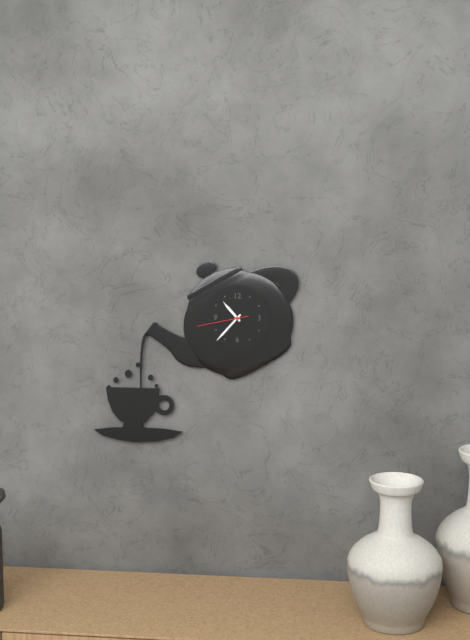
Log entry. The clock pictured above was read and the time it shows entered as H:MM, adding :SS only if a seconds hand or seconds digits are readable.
10:37:43
